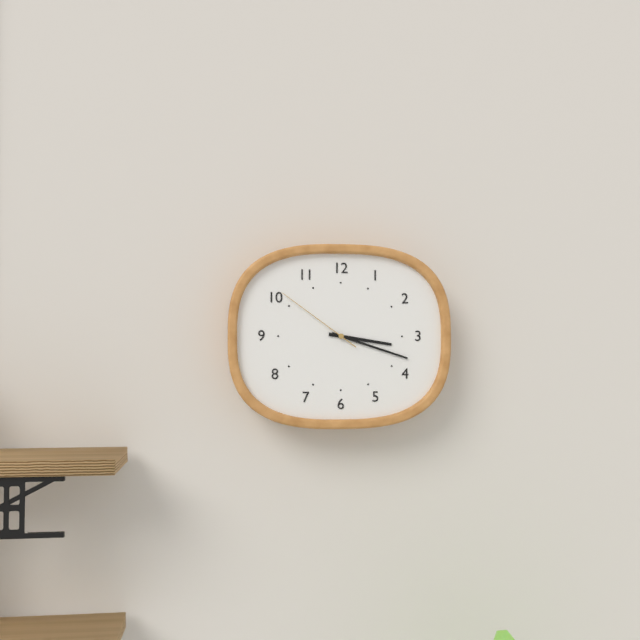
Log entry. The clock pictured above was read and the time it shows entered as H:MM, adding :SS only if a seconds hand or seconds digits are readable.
3:18:51
